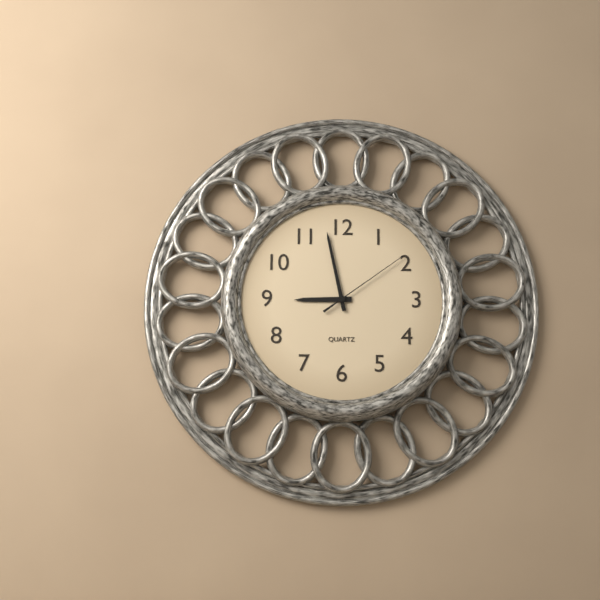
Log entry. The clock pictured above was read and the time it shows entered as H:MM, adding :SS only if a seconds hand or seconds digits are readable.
8:58:09
